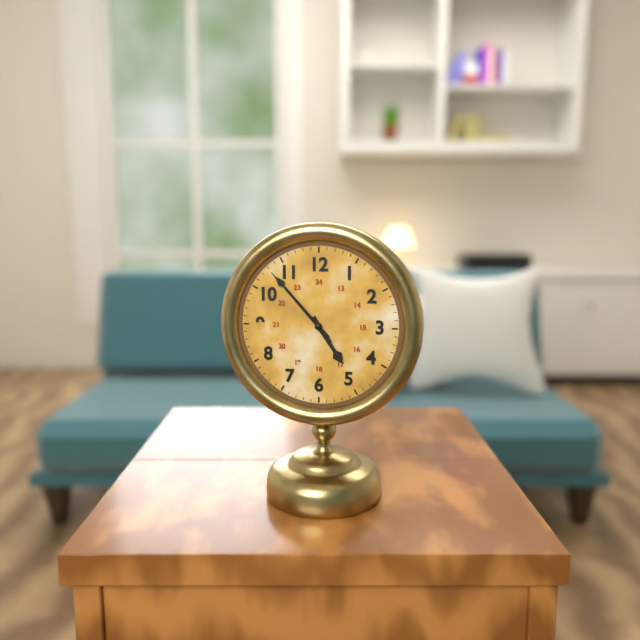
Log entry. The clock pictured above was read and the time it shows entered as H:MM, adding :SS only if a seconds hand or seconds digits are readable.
4:53:53
